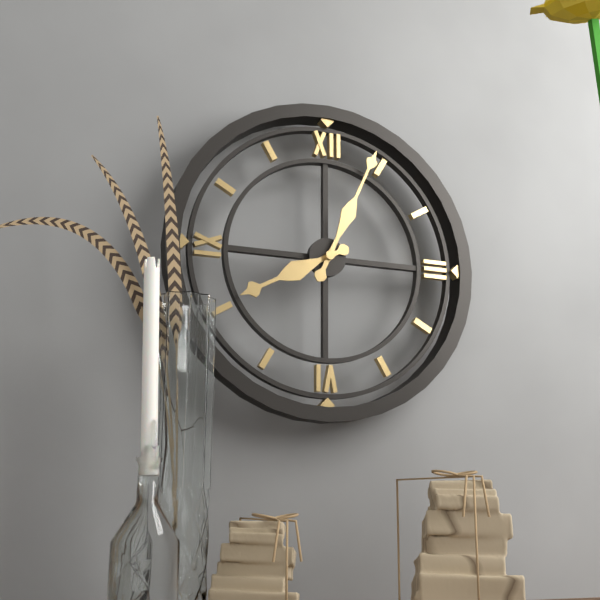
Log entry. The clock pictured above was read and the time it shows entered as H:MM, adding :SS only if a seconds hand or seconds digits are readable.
8:04
